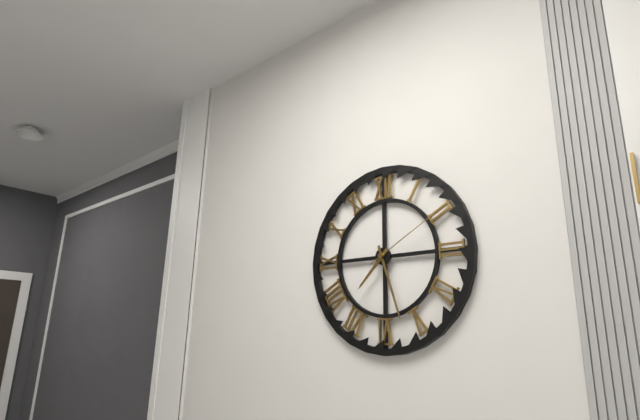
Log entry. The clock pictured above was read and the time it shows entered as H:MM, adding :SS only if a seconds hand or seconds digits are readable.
7:27:10
